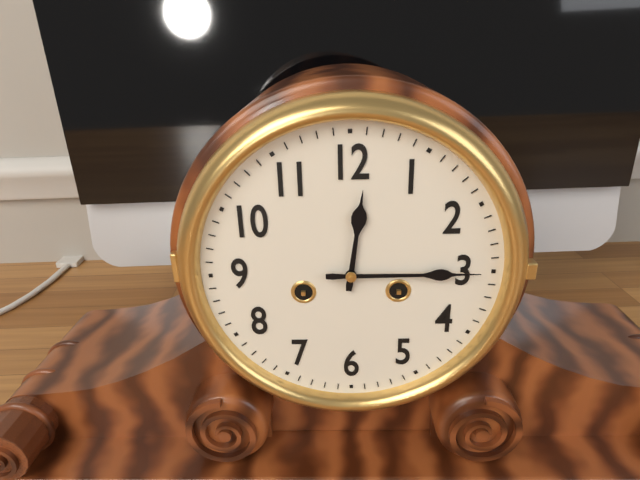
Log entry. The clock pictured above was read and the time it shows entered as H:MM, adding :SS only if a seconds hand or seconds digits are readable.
12:15
